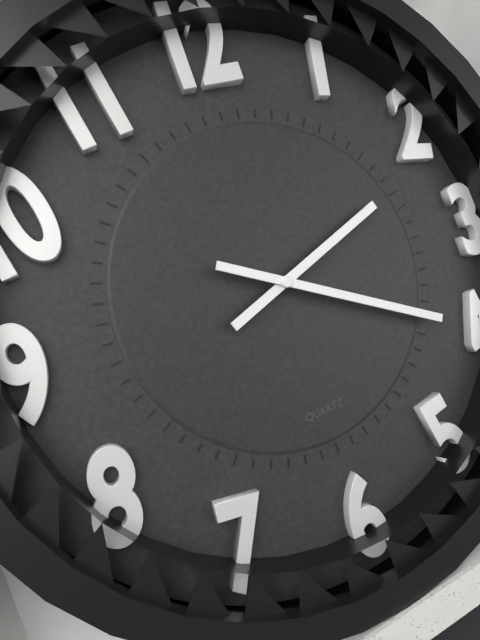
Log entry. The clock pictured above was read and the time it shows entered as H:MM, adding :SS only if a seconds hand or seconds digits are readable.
2:20
